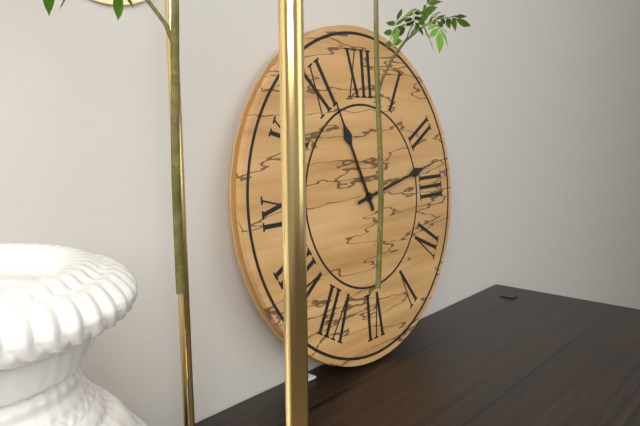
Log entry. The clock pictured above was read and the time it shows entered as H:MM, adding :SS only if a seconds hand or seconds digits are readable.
11:13
